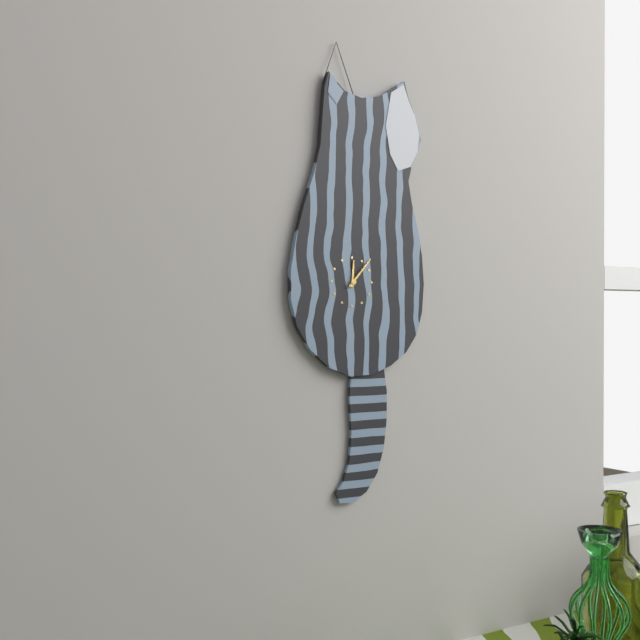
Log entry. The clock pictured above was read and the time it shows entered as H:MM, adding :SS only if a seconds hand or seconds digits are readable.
12:07
